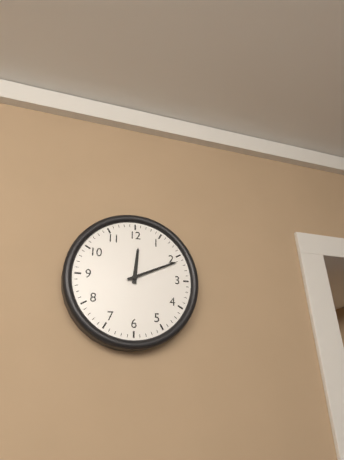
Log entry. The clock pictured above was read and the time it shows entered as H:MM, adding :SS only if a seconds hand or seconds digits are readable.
12:11
